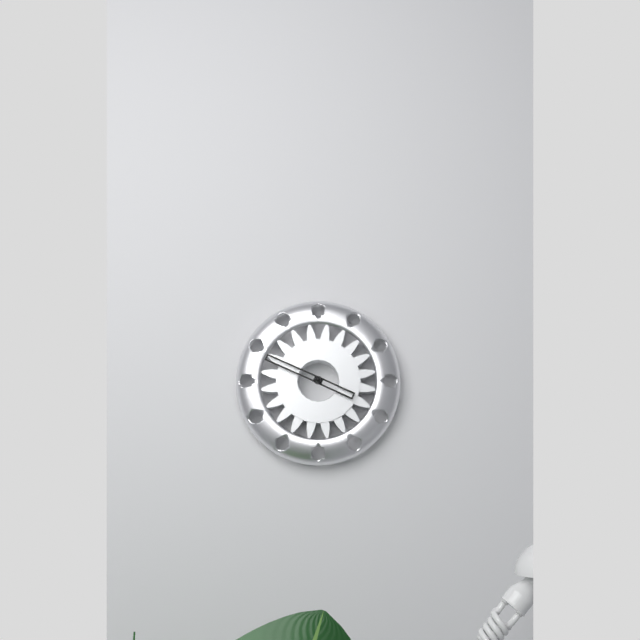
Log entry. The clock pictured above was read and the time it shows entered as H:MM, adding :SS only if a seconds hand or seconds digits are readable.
3:49
